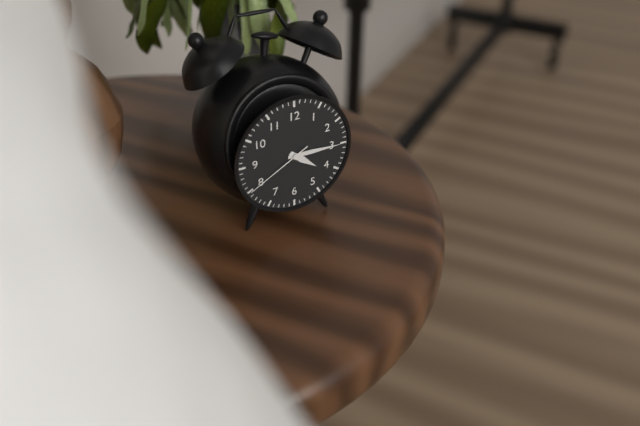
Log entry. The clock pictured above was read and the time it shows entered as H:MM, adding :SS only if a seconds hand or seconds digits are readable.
4:15:40
